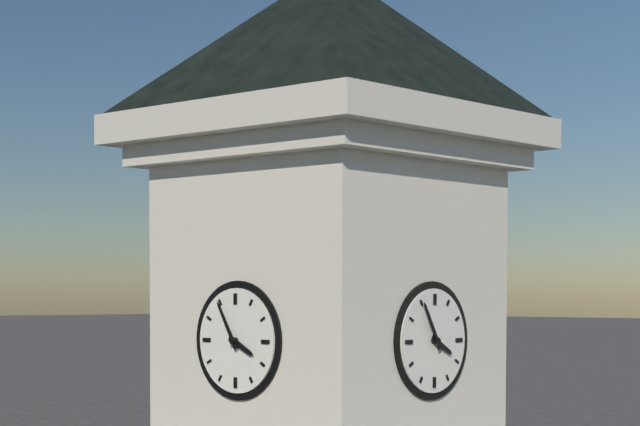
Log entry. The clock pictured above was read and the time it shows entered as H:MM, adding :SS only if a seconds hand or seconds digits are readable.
3:55
